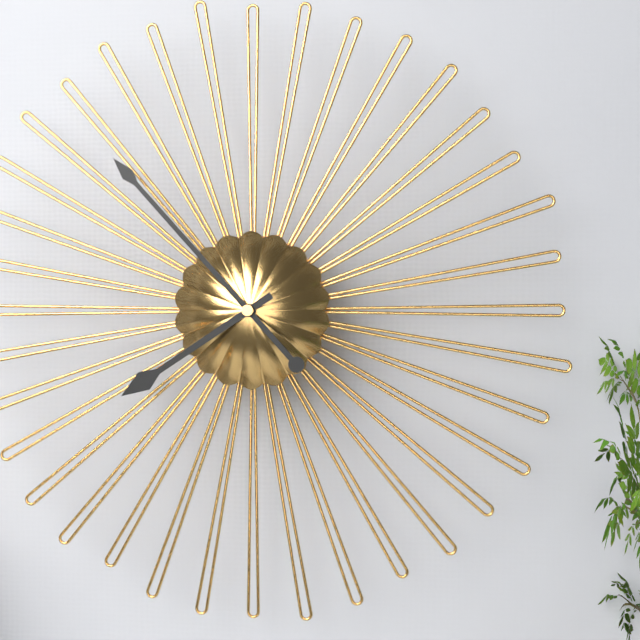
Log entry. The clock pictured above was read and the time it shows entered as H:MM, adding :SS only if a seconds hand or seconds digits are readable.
7:53
